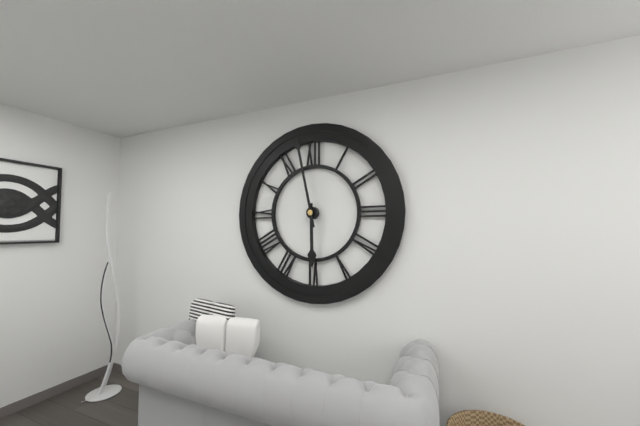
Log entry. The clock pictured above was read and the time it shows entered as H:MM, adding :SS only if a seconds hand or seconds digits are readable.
5:58
